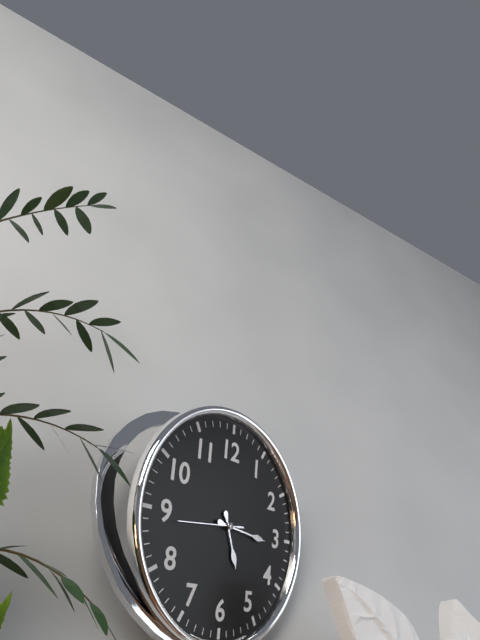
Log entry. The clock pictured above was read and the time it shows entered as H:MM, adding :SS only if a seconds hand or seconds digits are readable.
5:16:44
